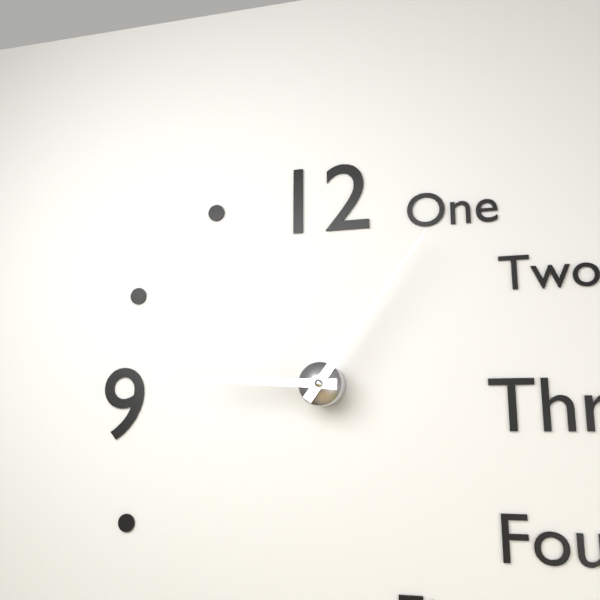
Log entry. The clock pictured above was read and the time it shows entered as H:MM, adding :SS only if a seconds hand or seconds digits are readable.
9:06
